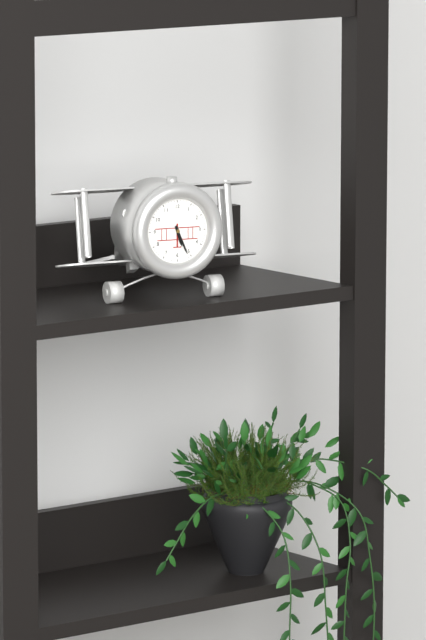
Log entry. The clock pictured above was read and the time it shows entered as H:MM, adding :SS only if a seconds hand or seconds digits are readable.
5:26
